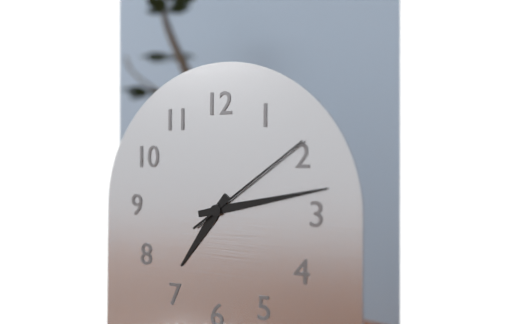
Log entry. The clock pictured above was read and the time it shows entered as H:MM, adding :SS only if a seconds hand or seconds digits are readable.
7:13:09
